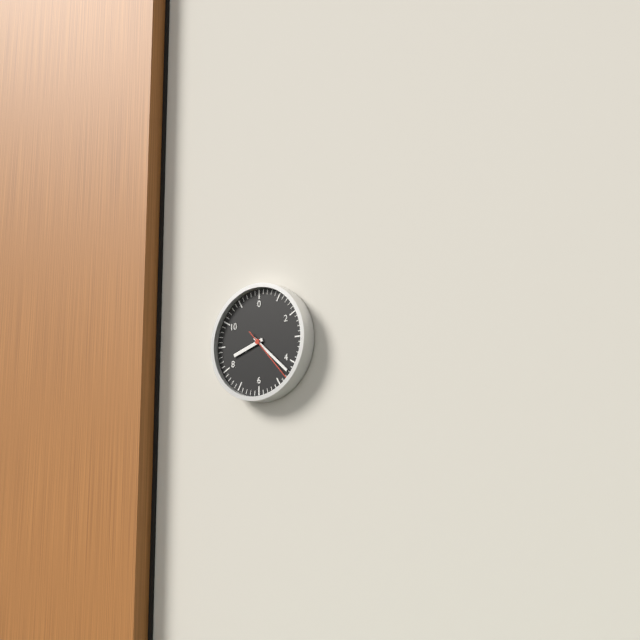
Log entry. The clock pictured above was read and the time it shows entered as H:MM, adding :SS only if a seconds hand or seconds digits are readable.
8:22:23
